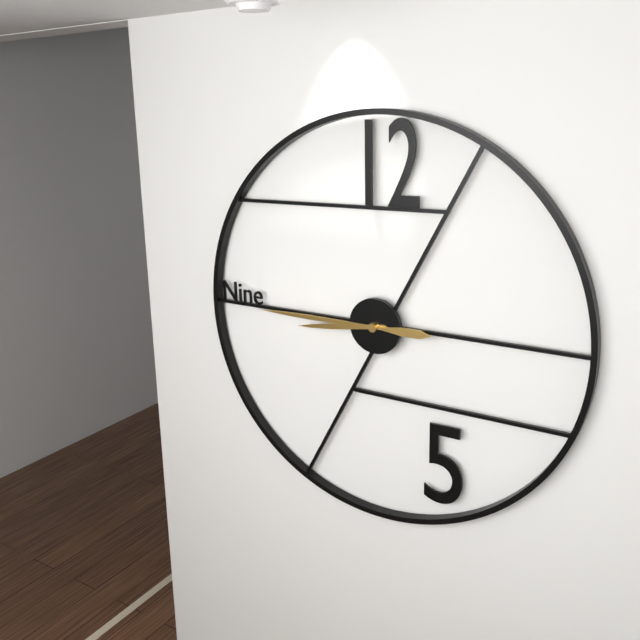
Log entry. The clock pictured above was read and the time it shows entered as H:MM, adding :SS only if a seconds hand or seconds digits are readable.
8:45
